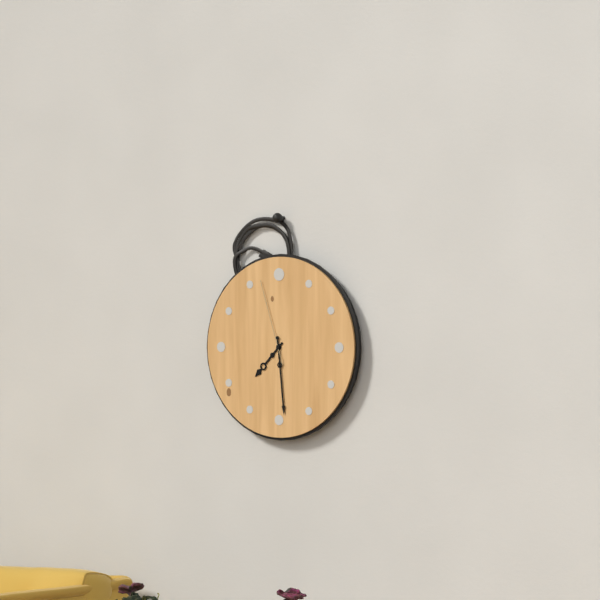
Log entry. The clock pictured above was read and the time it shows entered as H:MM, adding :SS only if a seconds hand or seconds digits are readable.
7:29:57
